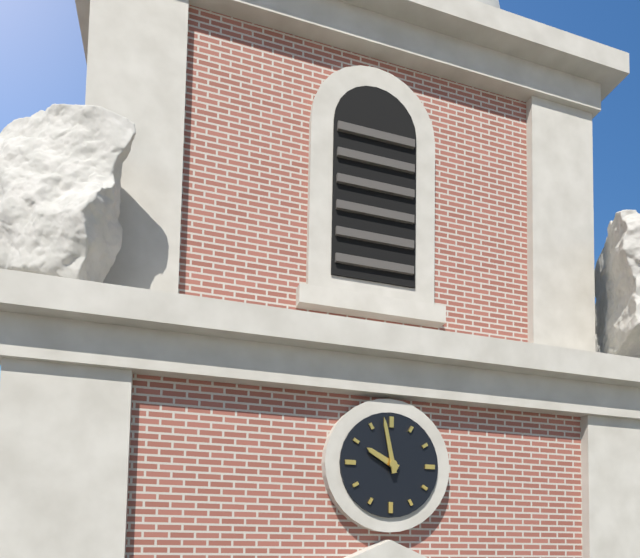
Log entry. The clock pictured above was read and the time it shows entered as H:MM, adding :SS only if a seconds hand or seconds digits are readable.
9:58
